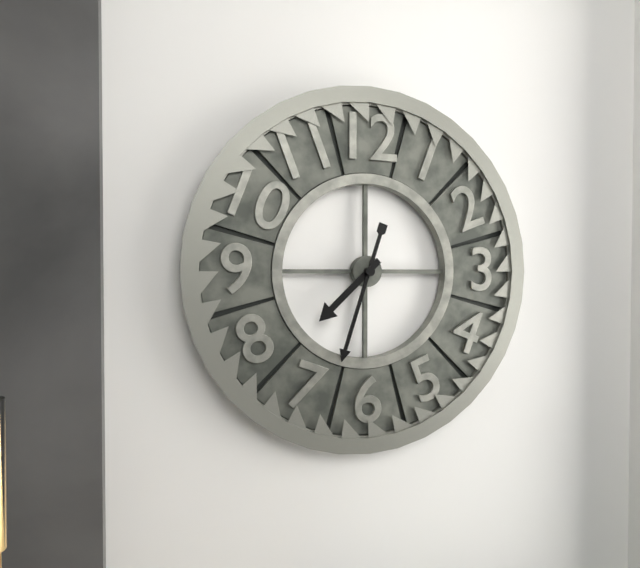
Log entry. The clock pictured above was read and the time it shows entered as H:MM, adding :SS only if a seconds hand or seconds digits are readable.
7:33
